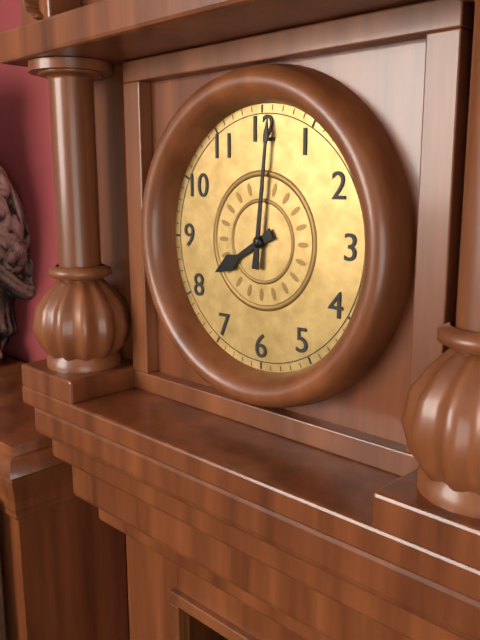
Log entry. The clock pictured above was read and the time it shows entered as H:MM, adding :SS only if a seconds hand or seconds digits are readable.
8:01
